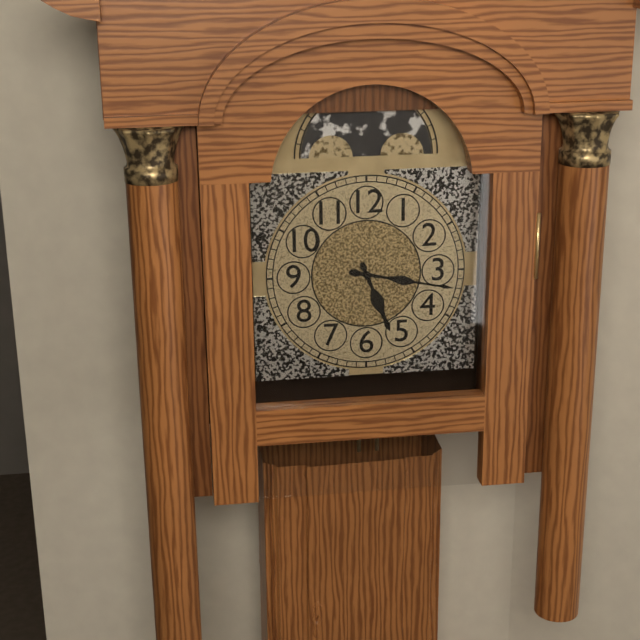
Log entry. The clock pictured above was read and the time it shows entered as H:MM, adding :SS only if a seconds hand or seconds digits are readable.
5:17
